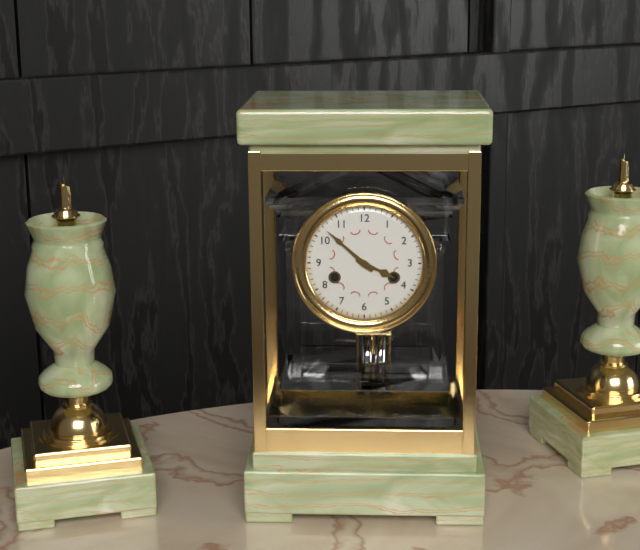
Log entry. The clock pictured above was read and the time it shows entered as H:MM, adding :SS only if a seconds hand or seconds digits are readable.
3:52
